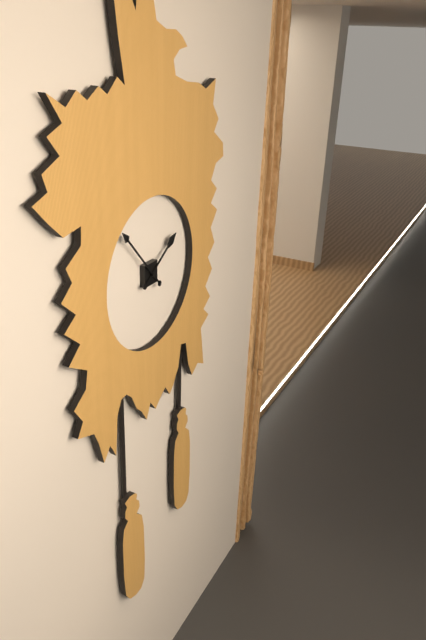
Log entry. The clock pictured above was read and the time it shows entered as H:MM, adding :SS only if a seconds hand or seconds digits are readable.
1:53
